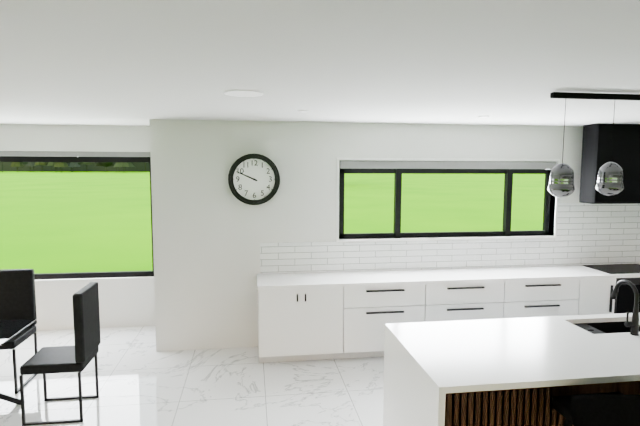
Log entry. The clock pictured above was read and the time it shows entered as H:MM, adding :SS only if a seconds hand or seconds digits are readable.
9:49
